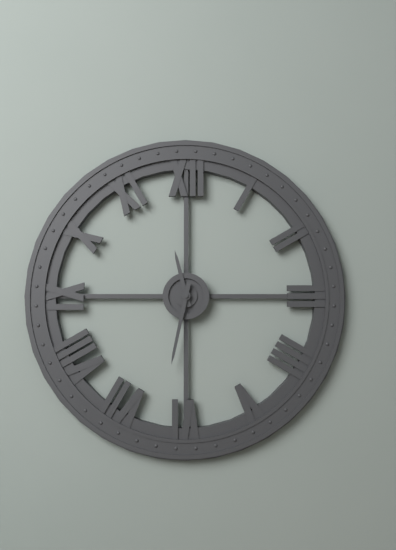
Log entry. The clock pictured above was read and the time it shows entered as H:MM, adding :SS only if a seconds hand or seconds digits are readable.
11:32
